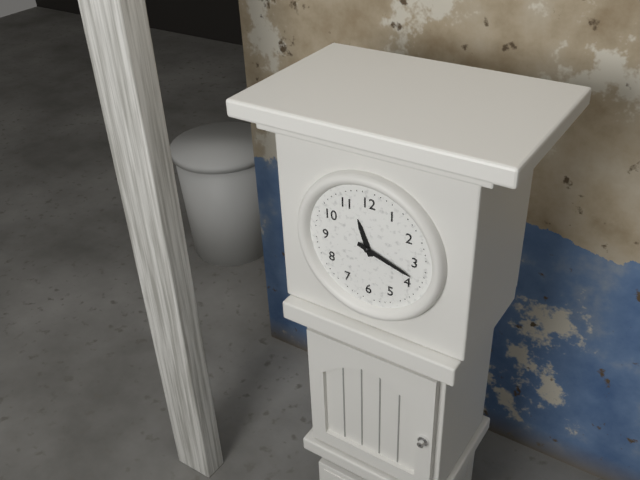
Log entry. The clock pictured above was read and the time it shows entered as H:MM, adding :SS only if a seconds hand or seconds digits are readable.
11:18
